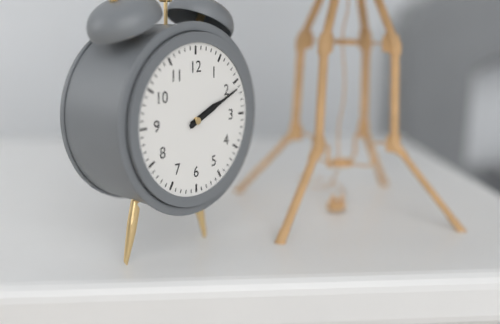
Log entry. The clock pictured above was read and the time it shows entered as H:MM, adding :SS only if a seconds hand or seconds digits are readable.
2:11
